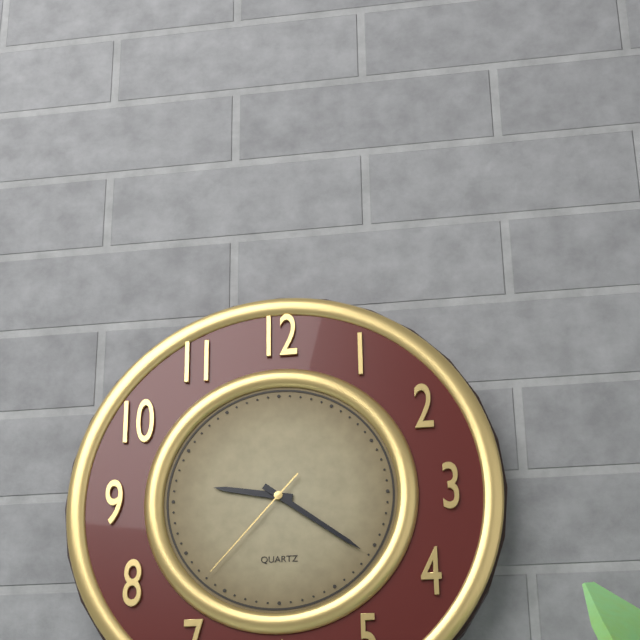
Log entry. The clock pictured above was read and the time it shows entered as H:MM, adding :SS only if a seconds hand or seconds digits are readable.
9:21:37
